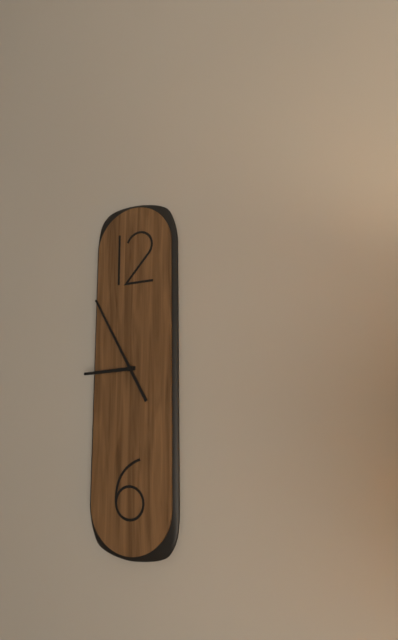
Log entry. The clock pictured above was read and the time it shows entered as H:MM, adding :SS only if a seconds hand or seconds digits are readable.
8:55
